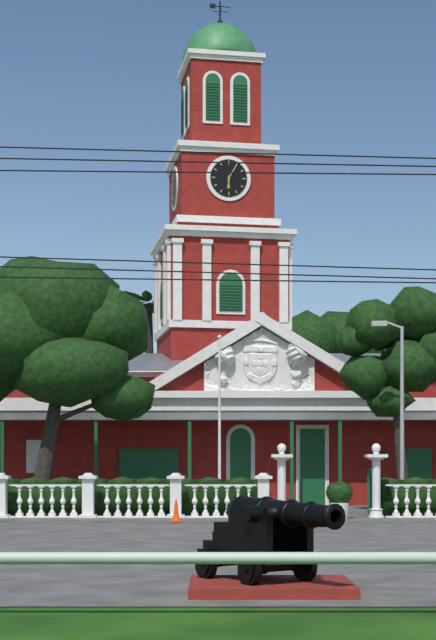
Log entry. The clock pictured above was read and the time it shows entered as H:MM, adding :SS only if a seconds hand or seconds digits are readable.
6:05
